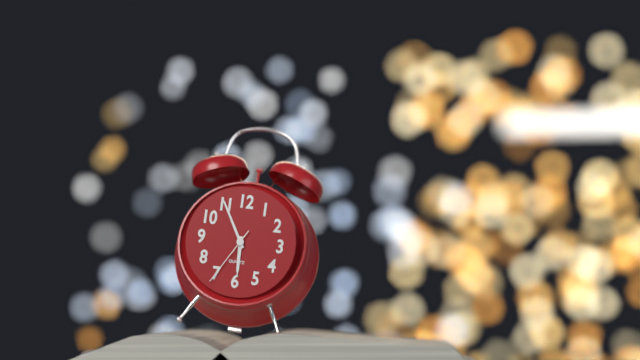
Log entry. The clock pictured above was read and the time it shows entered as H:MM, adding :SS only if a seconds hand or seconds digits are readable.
5:55:35
